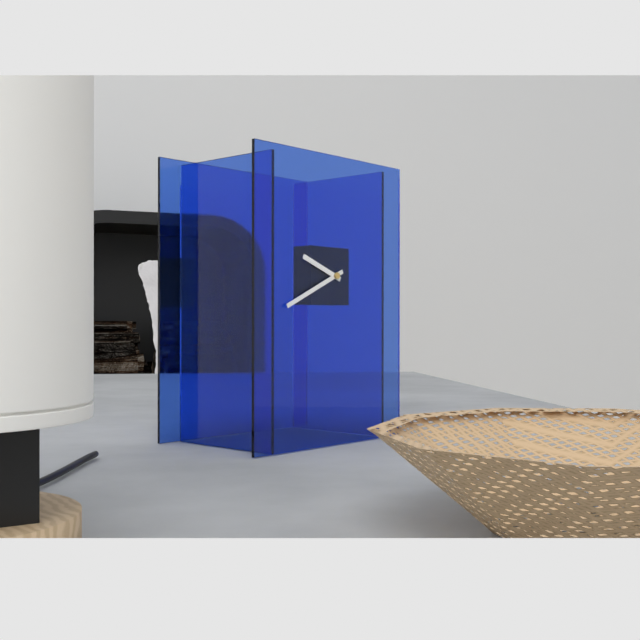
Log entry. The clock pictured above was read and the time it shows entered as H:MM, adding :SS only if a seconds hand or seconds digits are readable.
9:41
